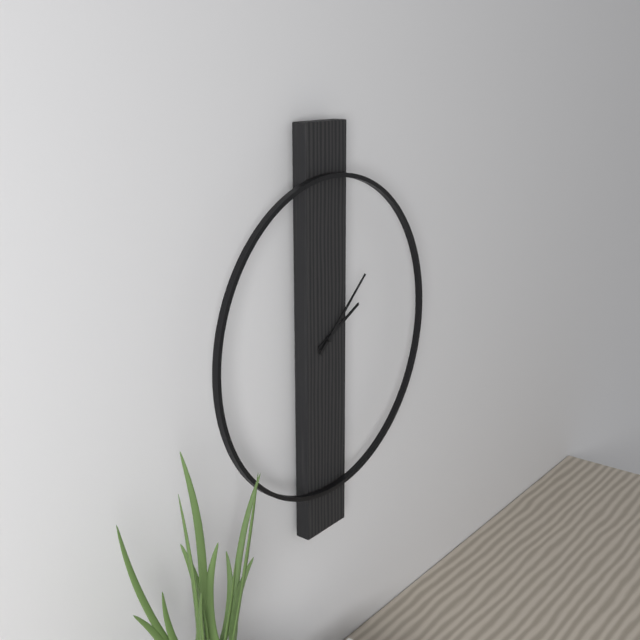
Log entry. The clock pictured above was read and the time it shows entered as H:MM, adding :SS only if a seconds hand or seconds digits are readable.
2:08
